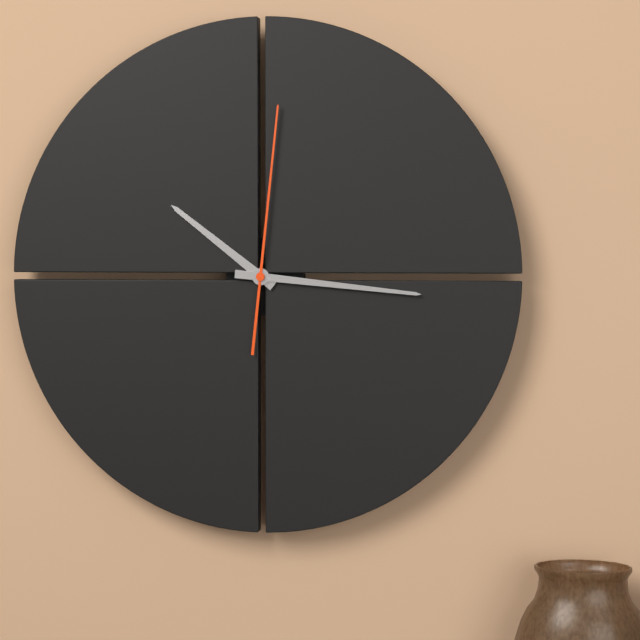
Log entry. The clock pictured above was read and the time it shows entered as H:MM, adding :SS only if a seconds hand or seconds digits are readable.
10:16:01
